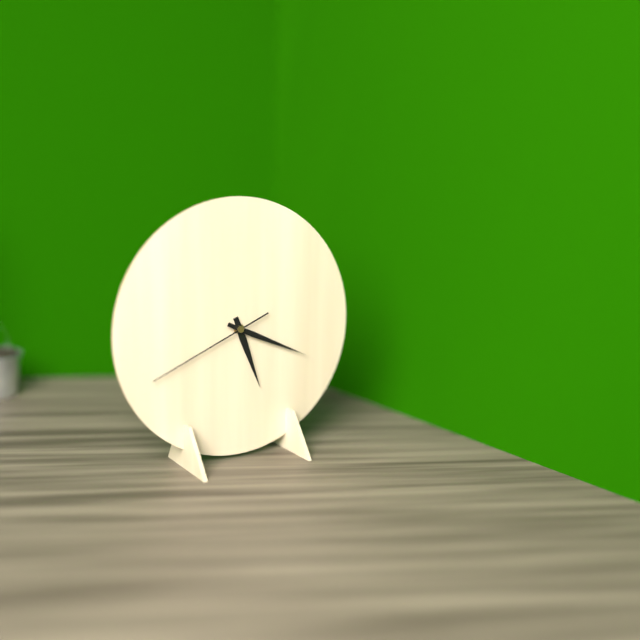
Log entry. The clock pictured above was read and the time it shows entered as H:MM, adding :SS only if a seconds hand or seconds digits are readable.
5:19:41
